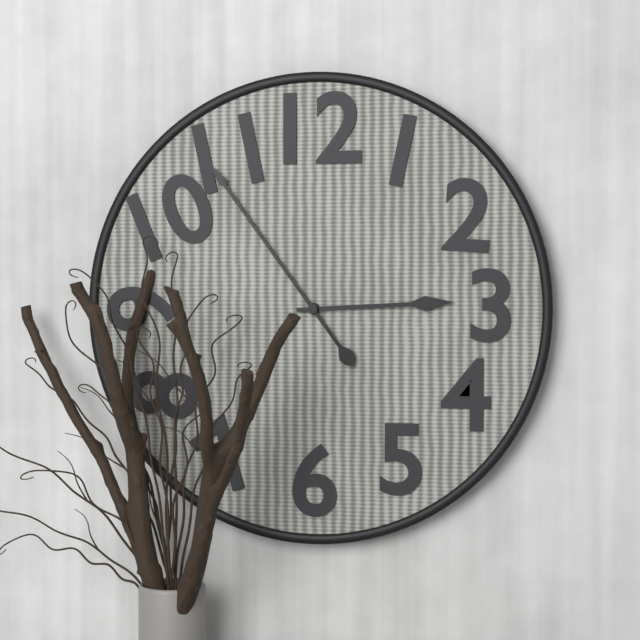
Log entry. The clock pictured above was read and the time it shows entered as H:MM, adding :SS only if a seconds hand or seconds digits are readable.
2:54
